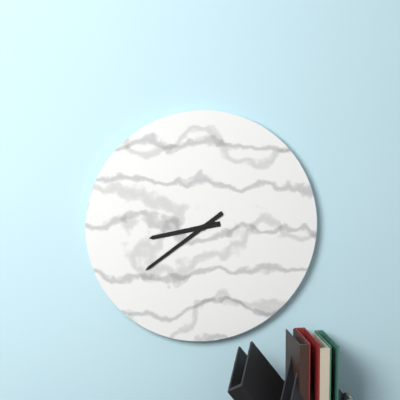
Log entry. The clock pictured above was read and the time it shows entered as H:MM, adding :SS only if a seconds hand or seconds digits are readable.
8:39
